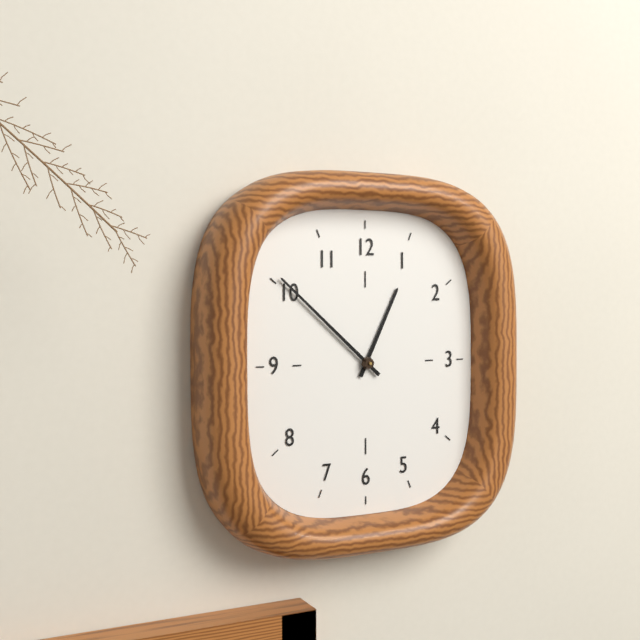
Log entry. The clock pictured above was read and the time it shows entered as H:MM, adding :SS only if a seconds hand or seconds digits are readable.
12:52
